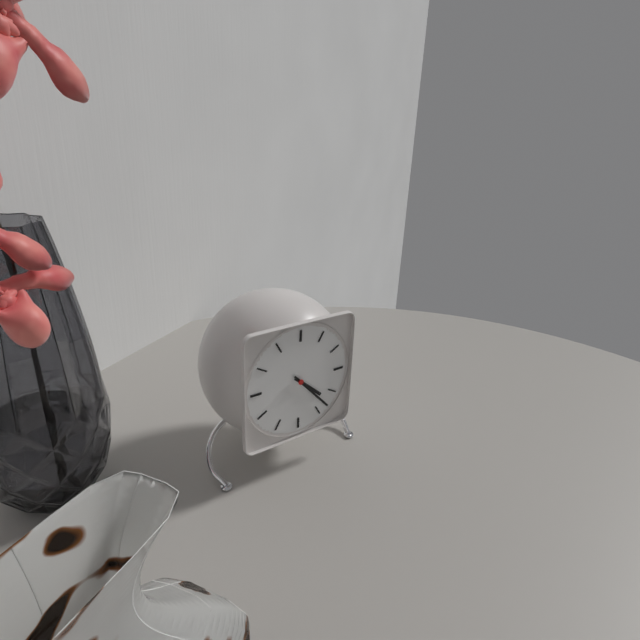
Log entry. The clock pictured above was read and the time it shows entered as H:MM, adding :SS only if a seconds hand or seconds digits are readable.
4:23
